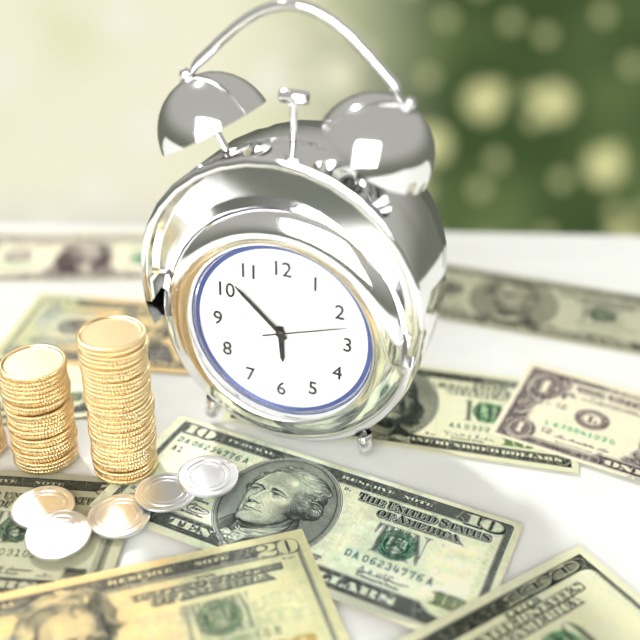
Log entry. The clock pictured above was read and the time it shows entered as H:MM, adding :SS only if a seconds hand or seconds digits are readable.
5:52:12
